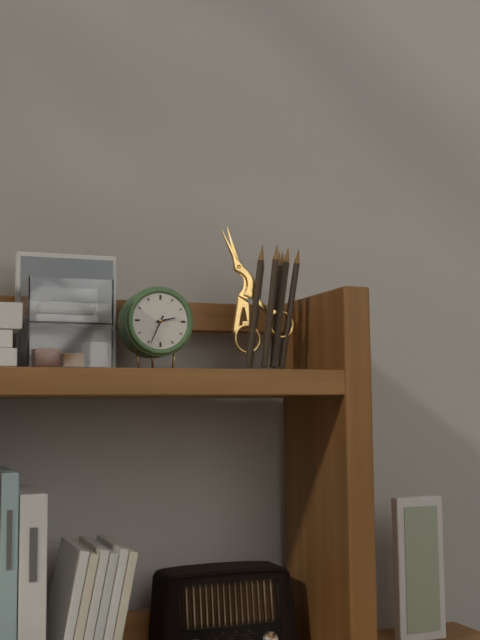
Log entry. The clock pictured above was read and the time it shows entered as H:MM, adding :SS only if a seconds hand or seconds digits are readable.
2:34
